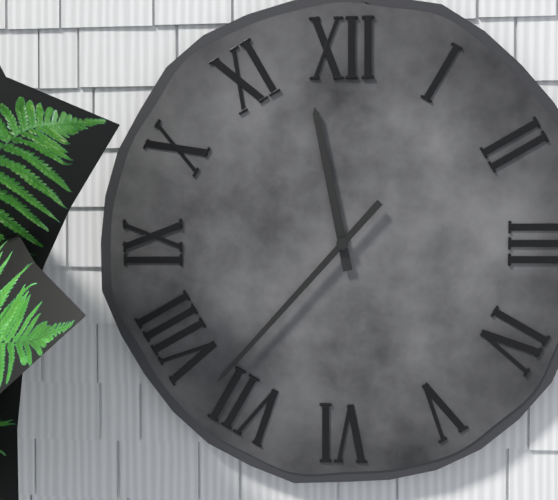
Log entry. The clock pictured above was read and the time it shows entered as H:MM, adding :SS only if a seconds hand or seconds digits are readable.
11:37
